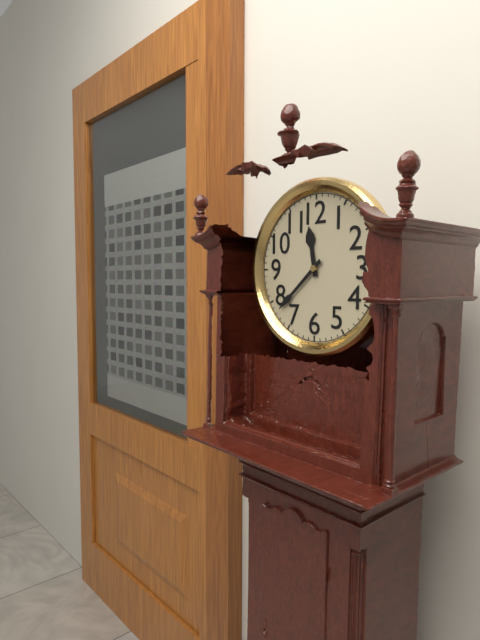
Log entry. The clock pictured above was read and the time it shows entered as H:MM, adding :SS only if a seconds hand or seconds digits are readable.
11:38
